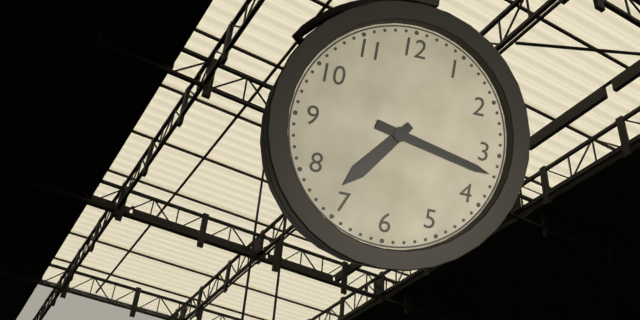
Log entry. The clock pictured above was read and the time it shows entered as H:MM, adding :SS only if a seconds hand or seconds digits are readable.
7:17
